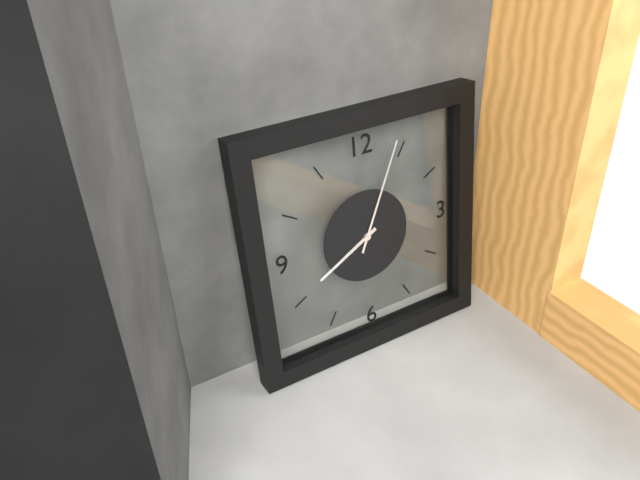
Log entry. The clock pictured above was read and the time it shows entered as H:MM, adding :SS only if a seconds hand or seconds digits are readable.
8:04
